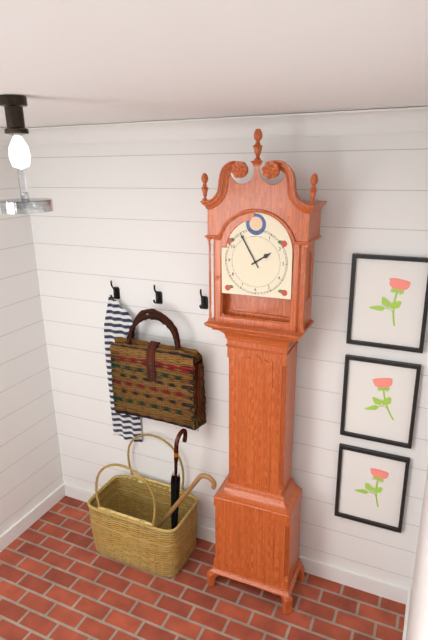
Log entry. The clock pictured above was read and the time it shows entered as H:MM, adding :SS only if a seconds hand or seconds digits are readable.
1:55
